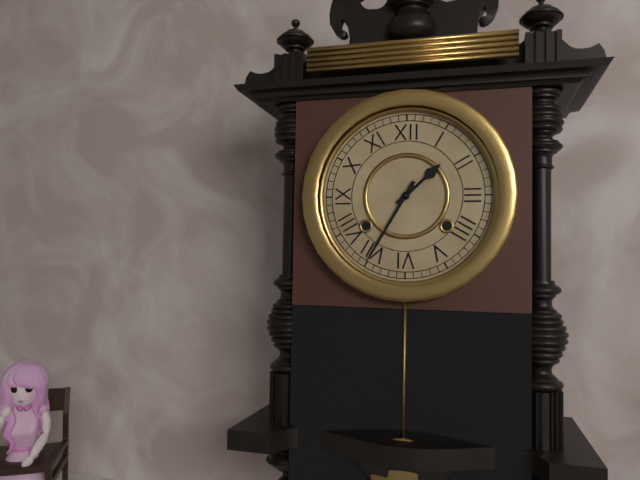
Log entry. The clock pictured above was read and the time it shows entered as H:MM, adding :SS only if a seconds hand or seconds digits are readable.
1:35
